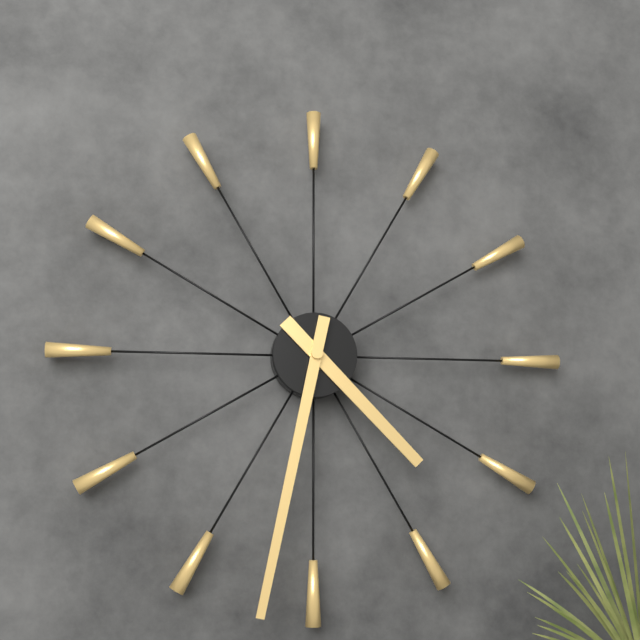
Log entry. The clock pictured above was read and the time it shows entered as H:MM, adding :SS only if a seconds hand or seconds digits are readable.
4:32
